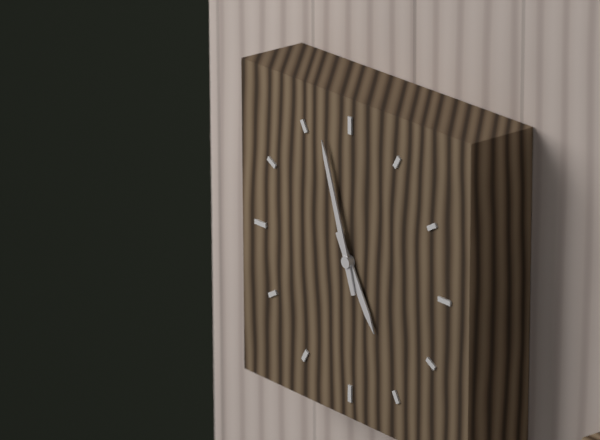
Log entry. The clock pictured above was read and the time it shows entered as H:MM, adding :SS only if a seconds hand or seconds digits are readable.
4:57
